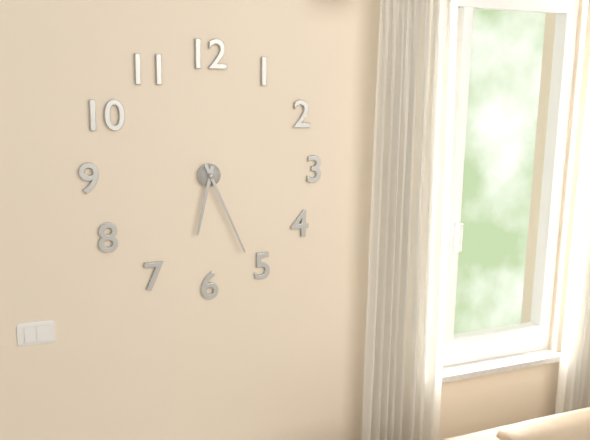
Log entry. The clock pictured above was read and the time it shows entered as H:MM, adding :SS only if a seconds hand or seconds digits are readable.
6:26
